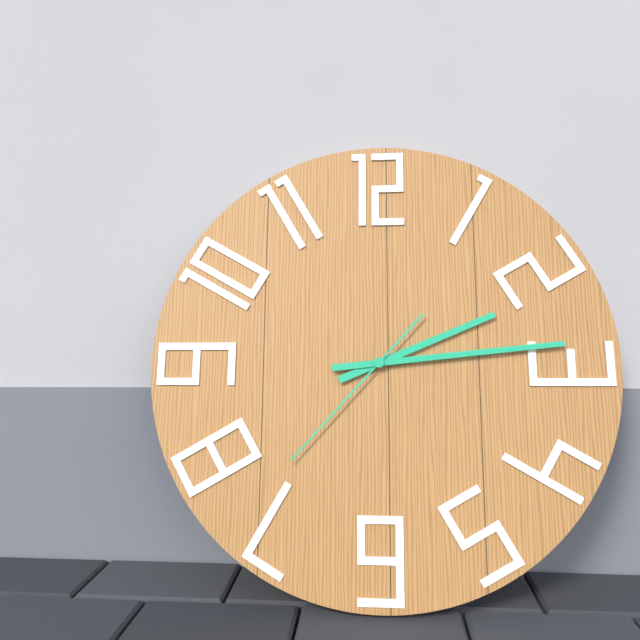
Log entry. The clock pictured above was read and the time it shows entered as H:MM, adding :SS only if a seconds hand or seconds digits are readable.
2:14:37
